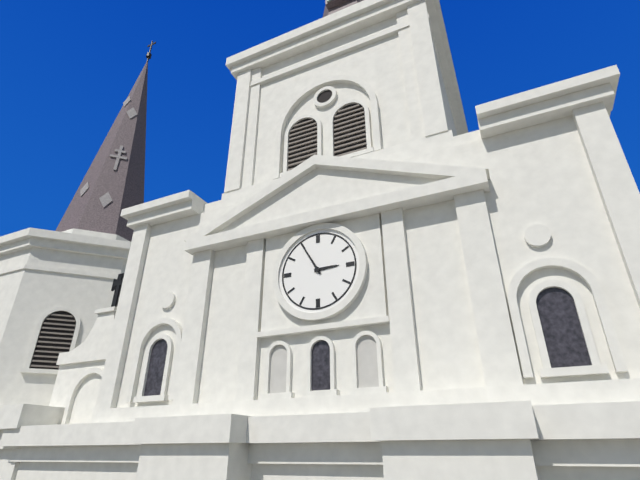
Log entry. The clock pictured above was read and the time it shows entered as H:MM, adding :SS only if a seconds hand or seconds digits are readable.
2:55
